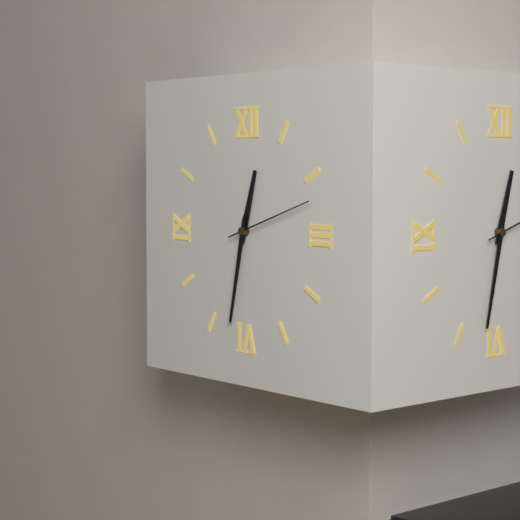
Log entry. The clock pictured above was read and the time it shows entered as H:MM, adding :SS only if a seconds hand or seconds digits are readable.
12:32:12
